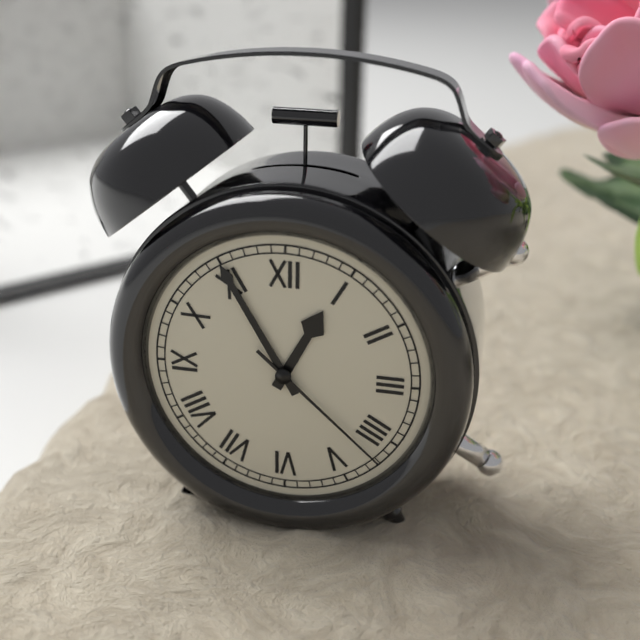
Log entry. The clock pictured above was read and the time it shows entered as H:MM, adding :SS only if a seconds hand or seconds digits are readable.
12:55:22
